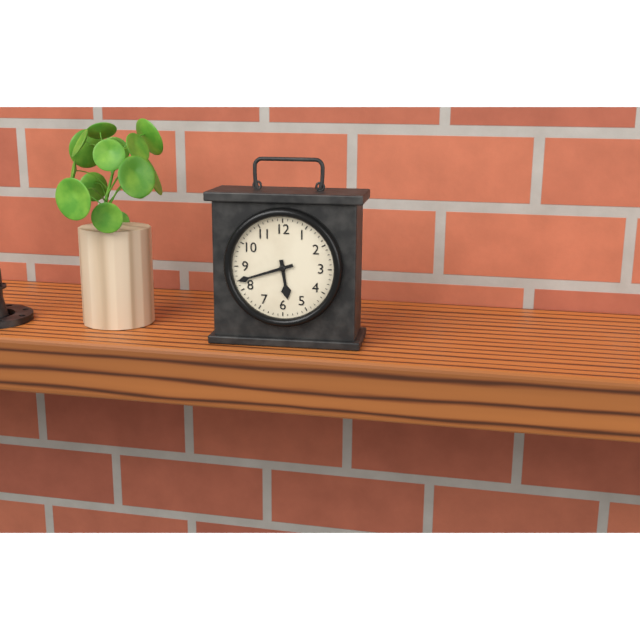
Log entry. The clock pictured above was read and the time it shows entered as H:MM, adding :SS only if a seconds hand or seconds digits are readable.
5:42
